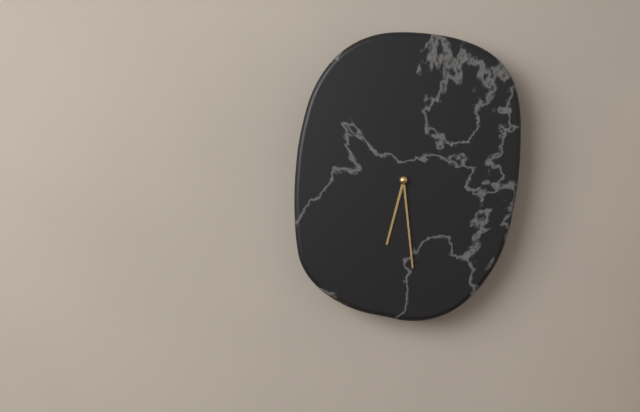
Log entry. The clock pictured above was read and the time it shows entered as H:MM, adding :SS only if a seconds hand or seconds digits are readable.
6:29
